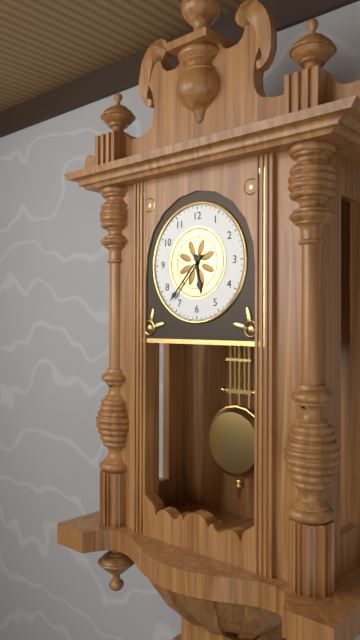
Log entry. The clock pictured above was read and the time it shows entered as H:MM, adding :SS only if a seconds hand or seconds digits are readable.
5:37
